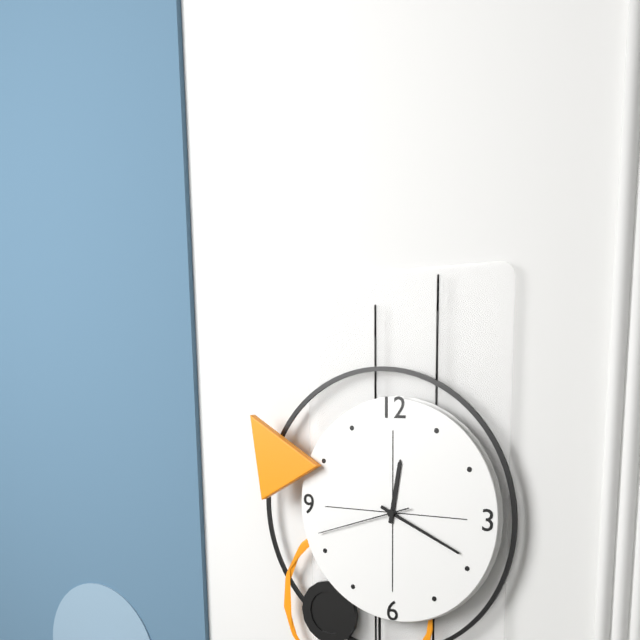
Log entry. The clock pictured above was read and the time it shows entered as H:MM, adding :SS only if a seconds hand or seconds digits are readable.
12:19:42
